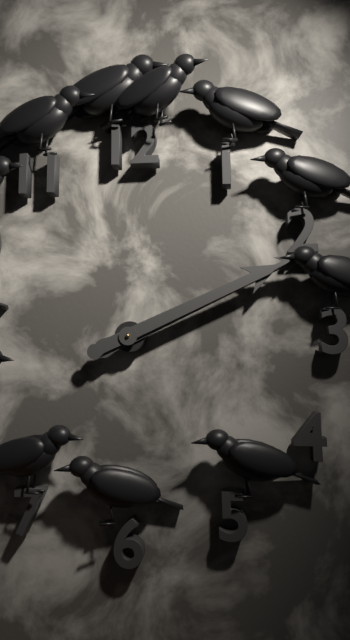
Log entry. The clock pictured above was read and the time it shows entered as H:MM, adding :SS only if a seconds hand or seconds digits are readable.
2:11
